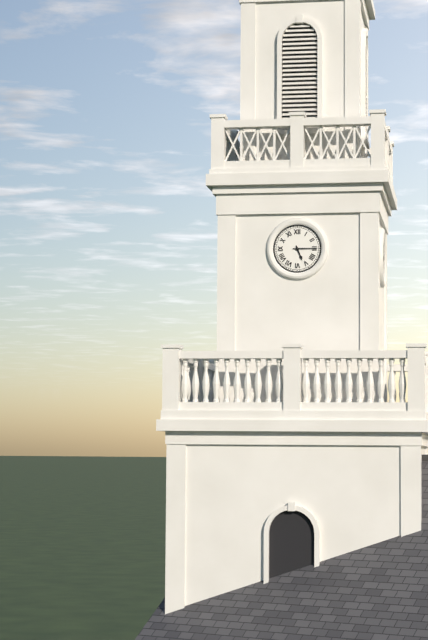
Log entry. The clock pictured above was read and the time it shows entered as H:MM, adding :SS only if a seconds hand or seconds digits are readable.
5:15
